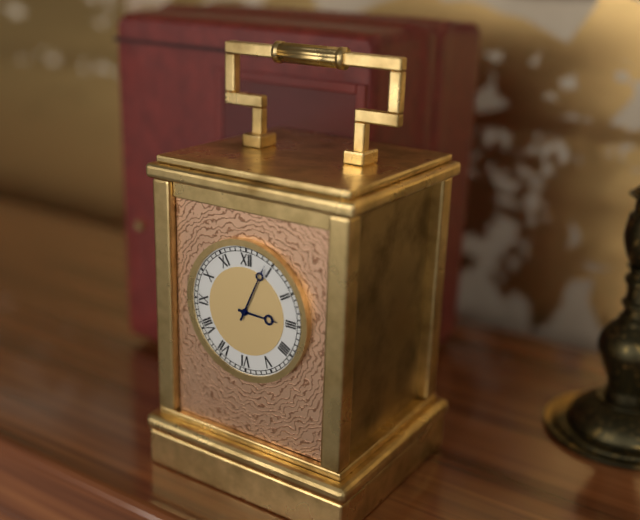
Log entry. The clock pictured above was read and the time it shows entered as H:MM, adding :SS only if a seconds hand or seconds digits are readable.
3:04
